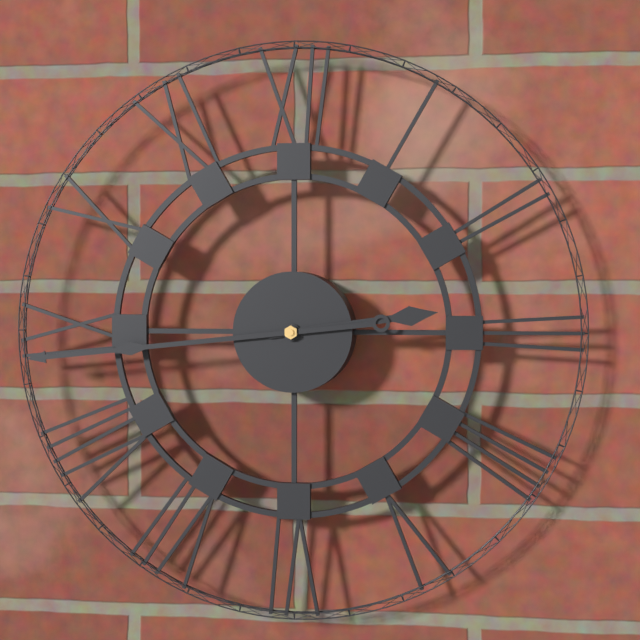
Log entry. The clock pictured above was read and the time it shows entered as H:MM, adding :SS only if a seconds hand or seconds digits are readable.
2:44
